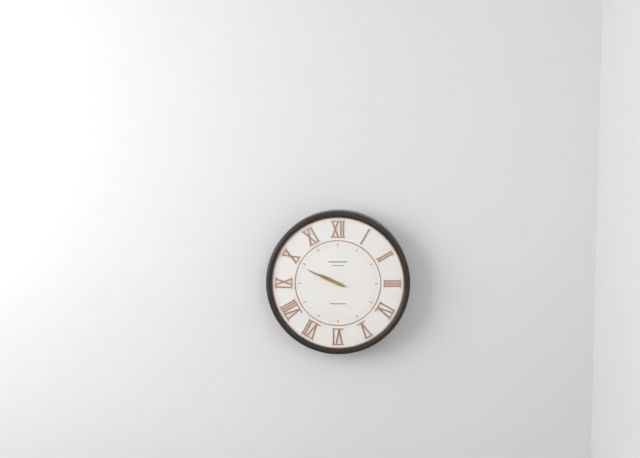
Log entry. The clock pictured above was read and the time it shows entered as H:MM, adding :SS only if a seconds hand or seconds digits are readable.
9:49
